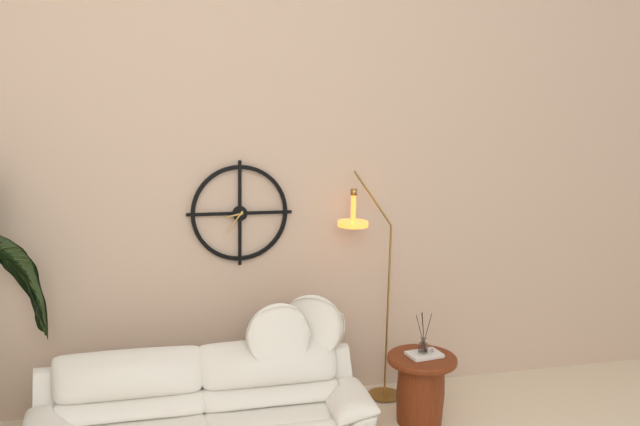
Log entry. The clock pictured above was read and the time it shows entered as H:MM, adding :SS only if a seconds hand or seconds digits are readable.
8:36
